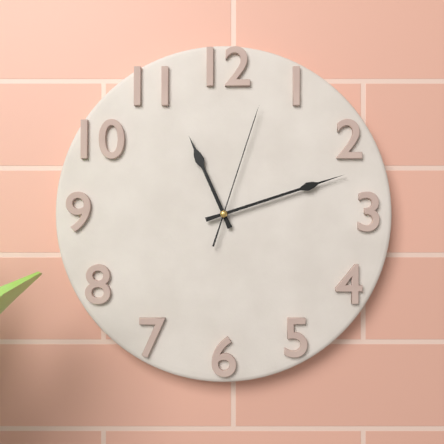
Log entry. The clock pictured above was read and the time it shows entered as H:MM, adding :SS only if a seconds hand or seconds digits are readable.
11:12:03
